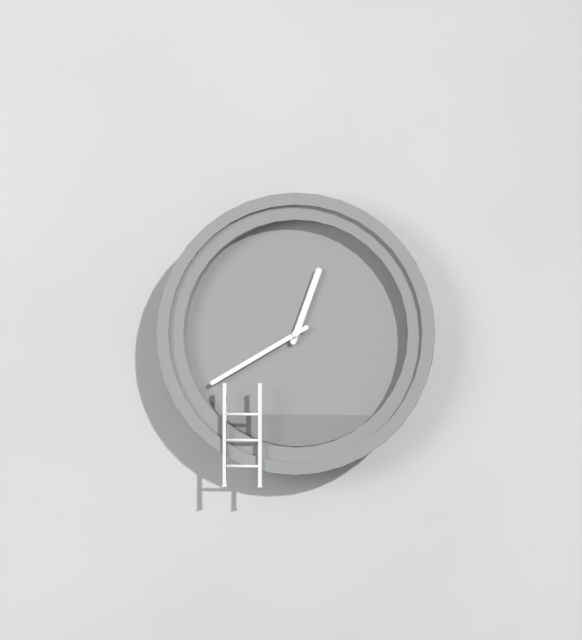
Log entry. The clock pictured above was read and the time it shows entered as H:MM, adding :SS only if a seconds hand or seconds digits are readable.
12:40
